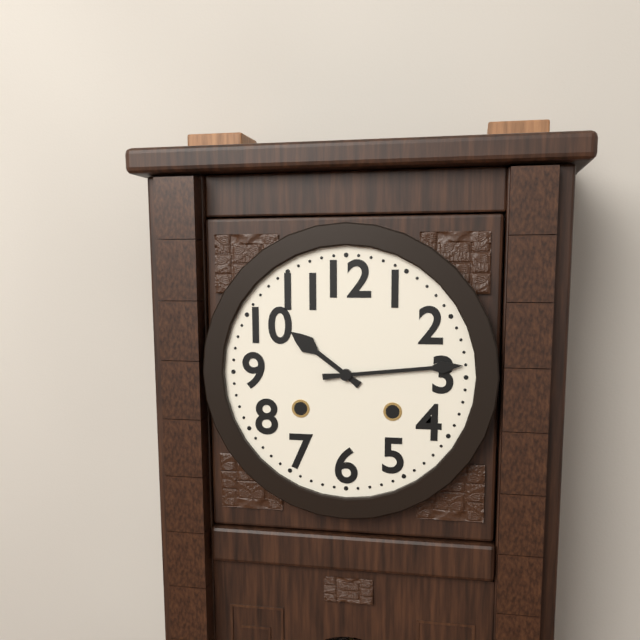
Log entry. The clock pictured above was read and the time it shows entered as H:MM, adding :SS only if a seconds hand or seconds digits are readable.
10:14
